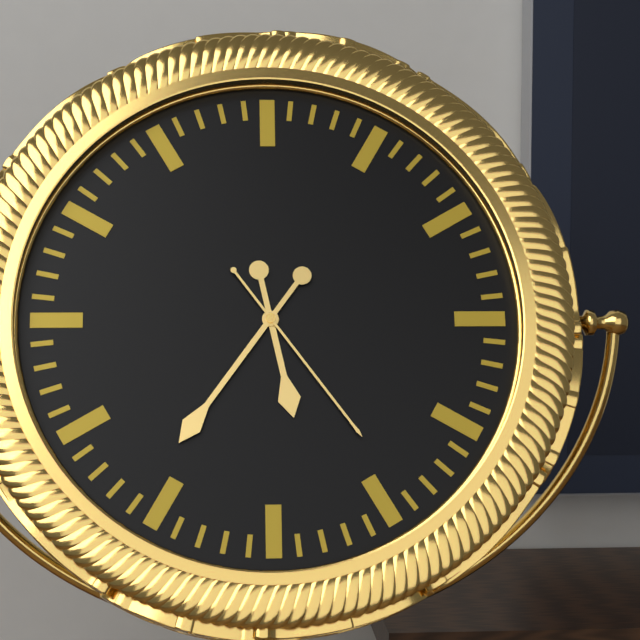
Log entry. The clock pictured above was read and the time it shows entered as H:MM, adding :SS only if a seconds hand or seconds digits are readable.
5:36:24
